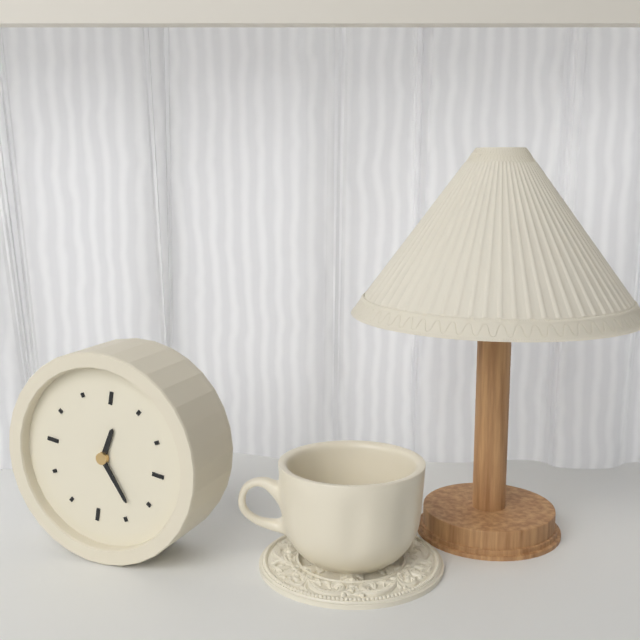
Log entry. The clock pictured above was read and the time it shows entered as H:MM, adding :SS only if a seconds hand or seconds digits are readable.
12:23
